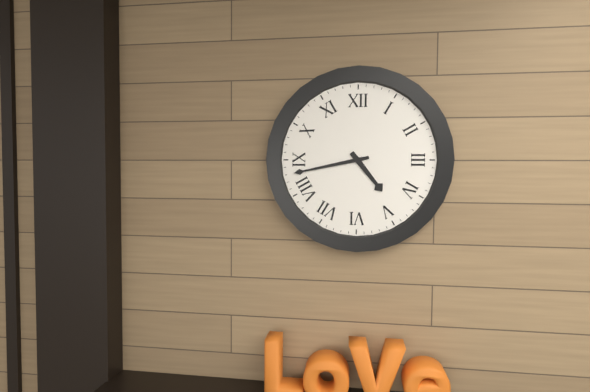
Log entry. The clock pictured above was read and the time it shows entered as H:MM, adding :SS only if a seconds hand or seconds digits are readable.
4:43
